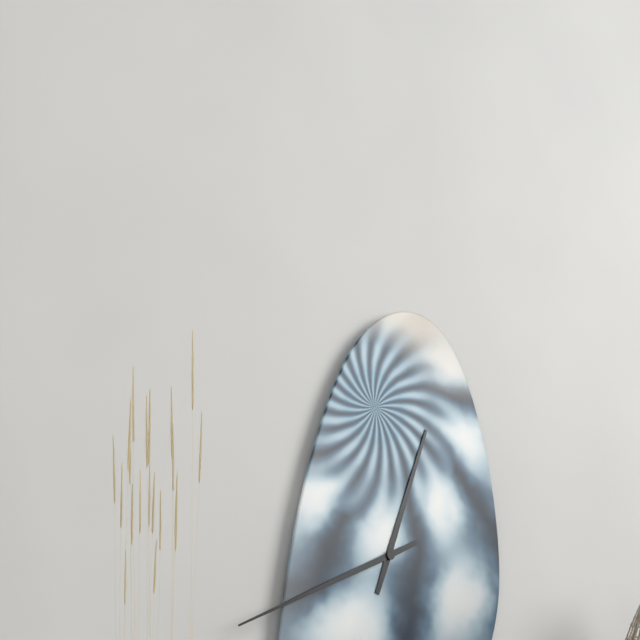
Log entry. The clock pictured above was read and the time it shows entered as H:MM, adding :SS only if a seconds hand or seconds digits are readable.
12:41
